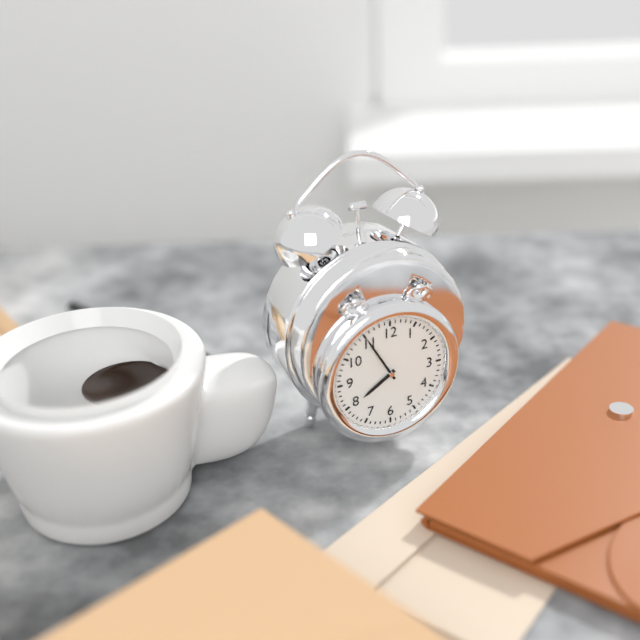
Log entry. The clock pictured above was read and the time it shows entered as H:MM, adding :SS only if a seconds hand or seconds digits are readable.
7:55
